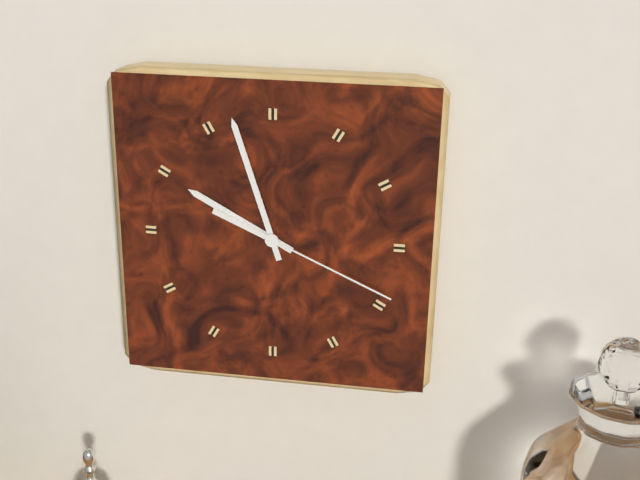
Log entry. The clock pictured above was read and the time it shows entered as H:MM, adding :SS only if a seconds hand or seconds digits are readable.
9:57:19
